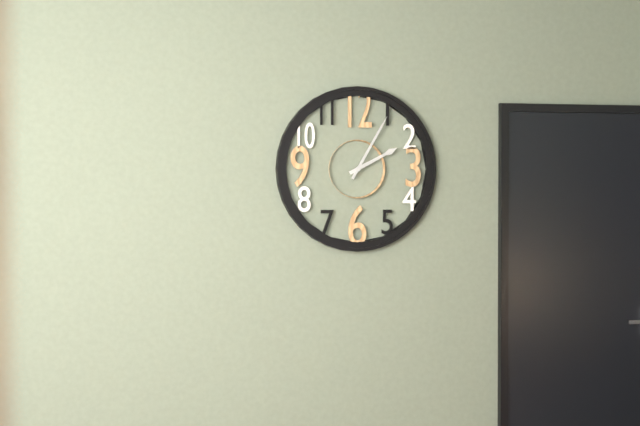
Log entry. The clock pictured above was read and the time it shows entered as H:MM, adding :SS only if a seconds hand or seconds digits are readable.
2:05
